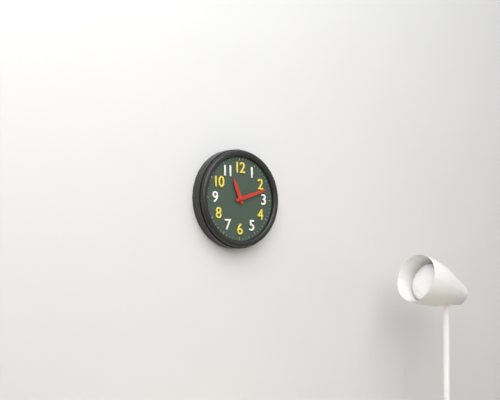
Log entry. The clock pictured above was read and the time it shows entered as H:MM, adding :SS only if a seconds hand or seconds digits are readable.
11:12
